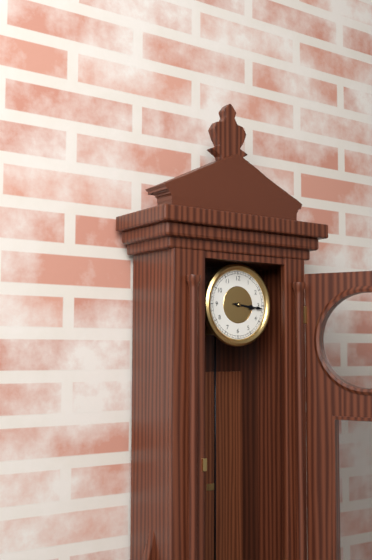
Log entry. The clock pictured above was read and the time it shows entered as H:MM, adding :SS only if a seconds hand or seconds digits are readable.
3:16
